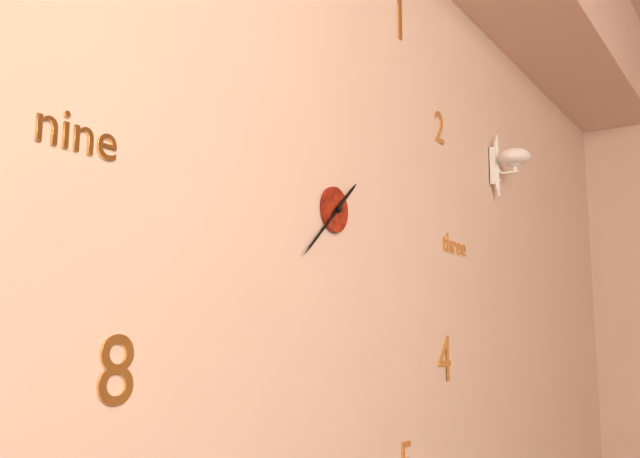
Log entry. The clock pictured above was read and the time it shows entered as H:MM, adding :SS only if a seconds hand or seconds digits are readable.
1:38
